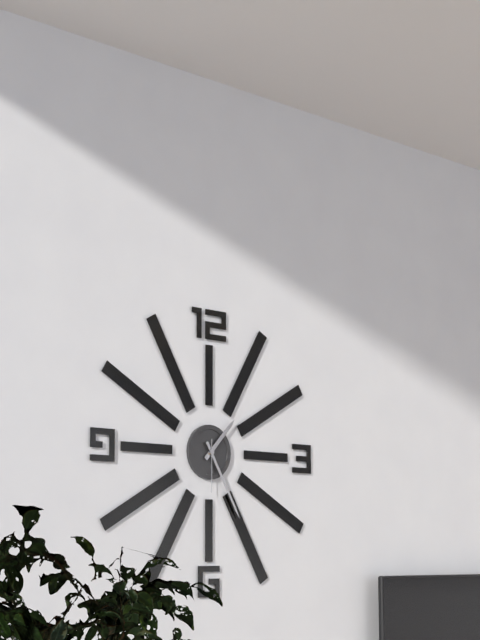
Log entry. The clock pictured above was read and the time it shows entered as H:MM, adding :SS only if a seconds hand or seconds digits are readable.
1:25:30
